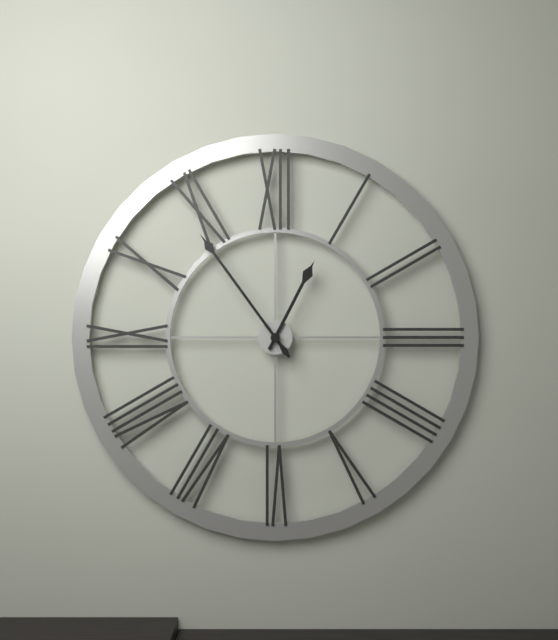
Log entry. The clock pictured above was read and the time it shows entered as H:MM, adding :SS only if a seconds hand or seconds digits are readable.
12:54
